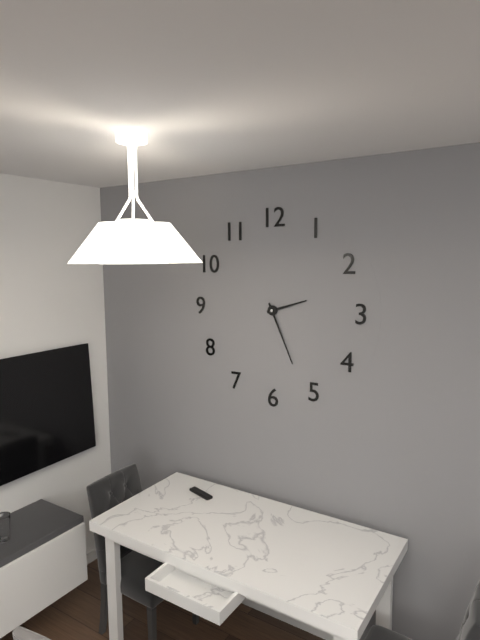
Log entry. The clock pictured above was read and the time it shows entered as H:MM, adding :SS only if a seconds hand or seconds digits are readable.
2:26
